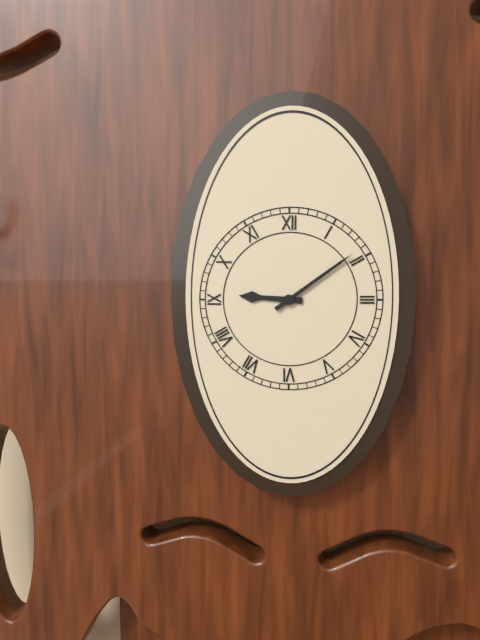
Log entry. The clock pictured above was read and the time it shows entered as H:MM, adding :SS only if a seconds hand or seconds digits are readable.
9:09
